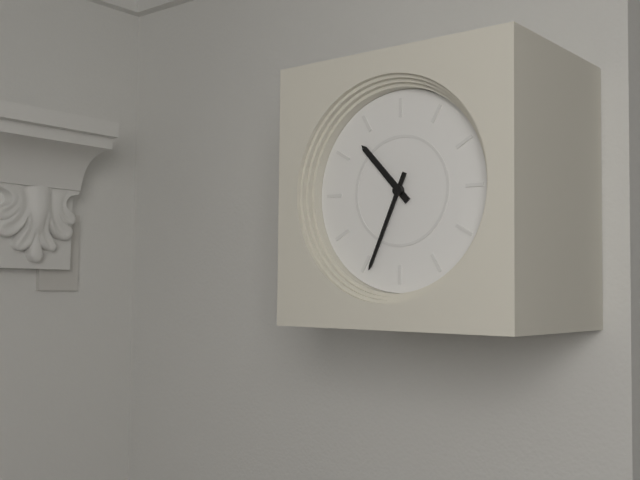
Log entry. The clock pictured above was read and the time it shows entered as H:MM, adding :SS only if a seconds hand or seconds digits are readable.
10:34
